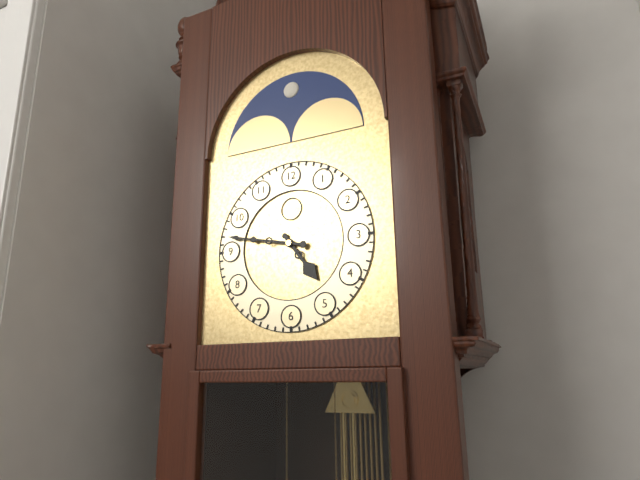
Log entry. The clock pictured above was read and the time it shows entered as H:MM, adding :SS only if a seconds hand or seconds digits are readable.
4:47
